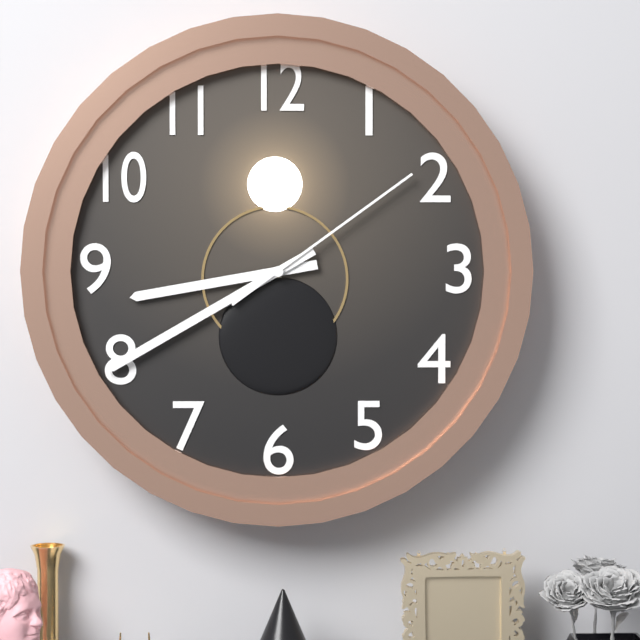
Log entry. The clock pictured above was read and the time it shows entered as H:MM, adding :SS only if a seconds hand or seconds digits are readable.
8:40:09
